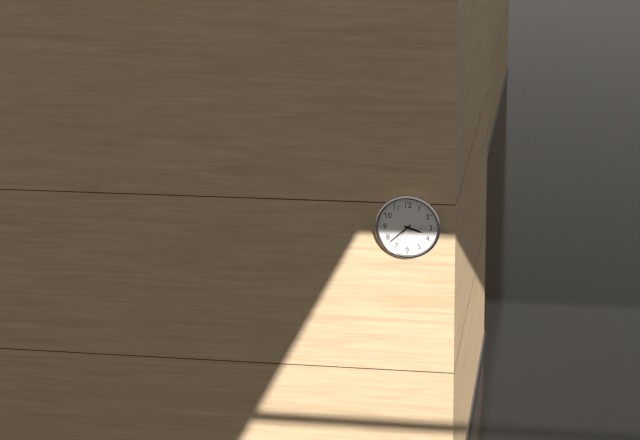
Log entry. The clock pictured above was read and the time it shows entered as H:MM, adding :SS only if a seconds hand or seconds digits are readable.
3:38
